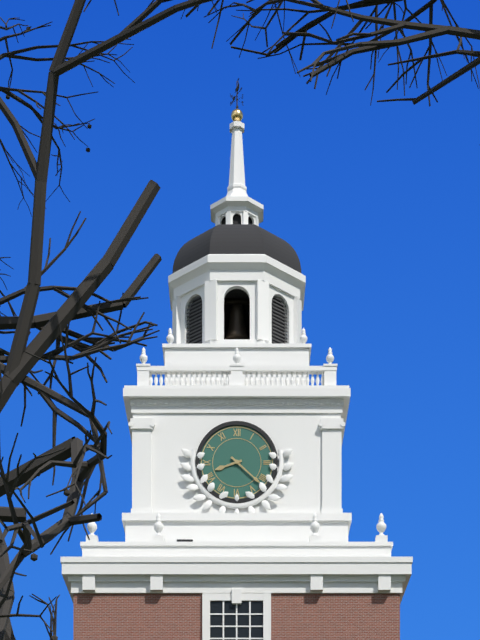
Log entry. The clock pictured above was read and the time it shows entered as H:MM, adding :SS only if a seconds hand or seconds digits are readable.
8:22
